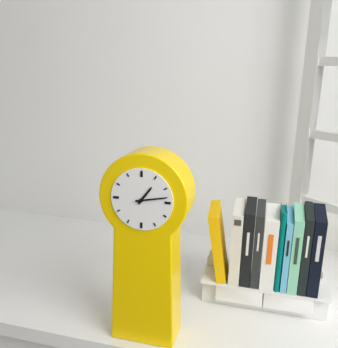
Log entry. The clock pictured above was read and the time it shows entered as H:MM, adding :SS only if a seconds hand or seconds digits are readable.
1:13
